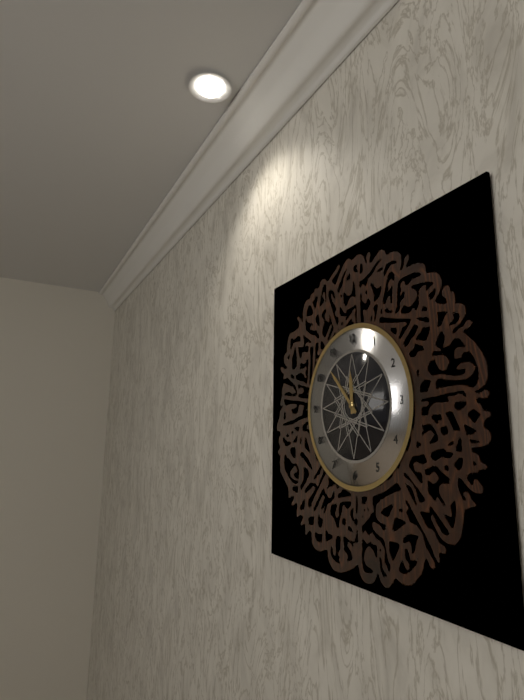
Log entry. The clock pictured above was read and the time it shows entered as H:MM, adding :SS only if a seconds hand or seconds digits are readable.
11:53
